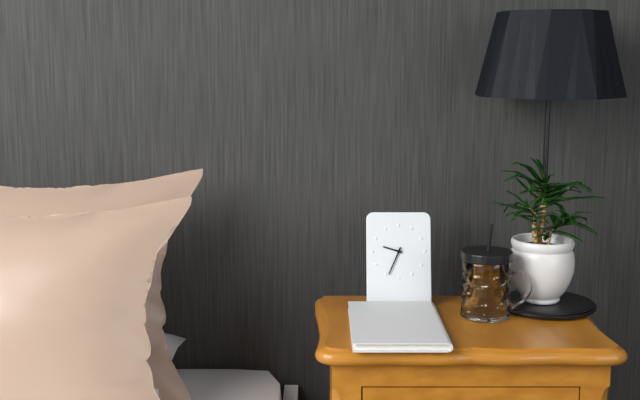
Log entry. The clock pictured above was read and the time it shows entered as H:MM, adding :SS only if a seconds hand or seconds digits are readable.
9:34
